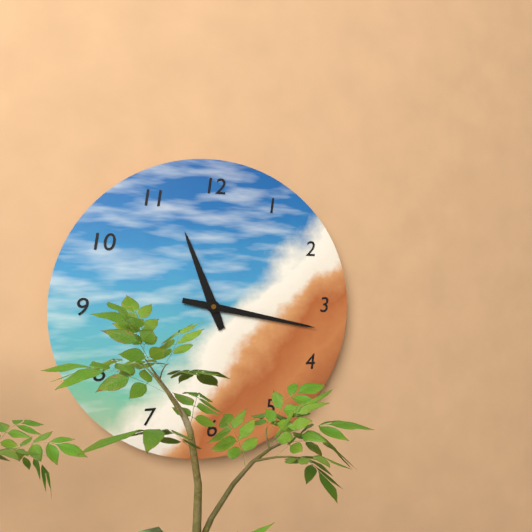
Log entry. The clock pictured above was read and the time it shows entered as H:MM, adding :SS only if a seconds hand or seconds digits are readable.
11:17
